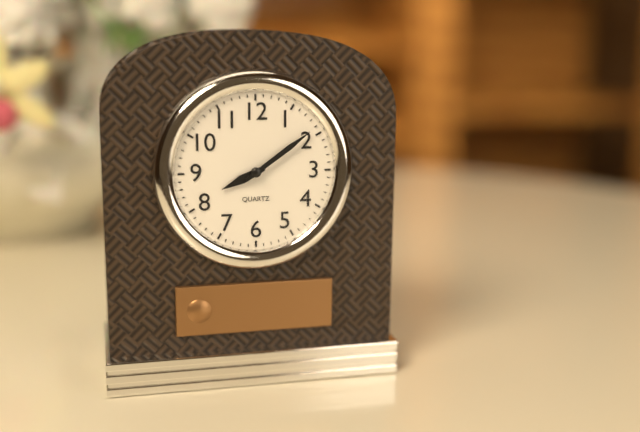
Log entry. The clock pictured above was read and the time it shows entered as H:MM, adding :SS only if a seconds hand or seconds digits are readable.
8:09
